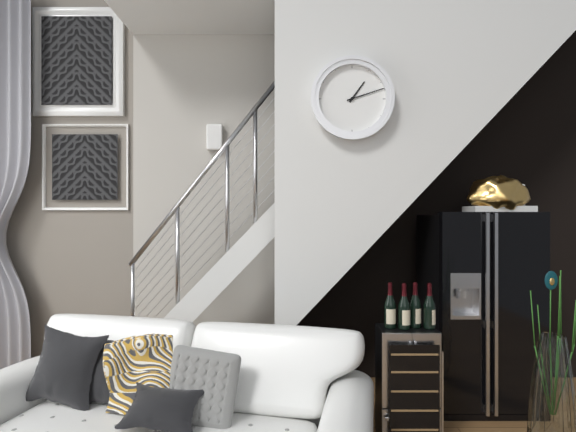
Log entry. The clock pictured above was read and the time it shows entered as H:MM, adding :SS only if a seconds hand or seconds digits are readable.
1:12
